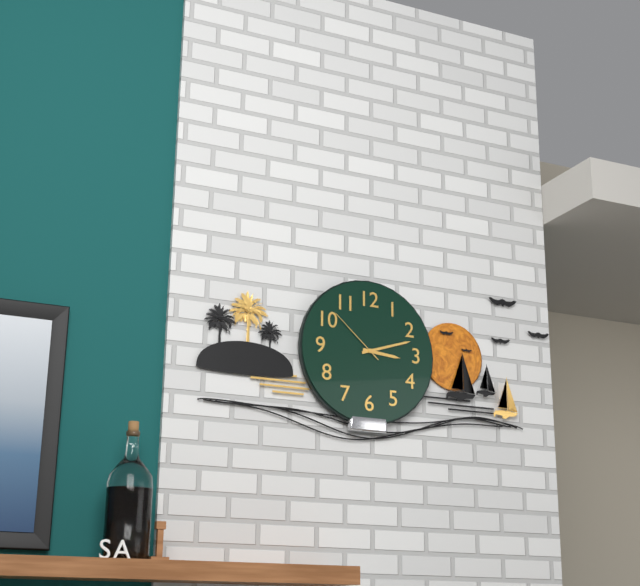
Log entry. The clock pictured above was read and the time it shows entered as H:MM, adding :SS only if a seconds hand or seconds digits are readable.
3:12:52
